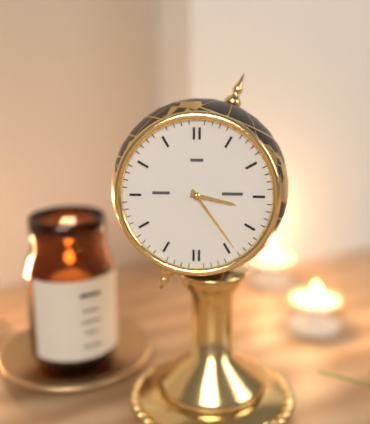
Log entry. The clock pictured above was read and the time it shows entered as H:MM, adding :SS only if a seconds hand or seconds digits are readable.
3:24
